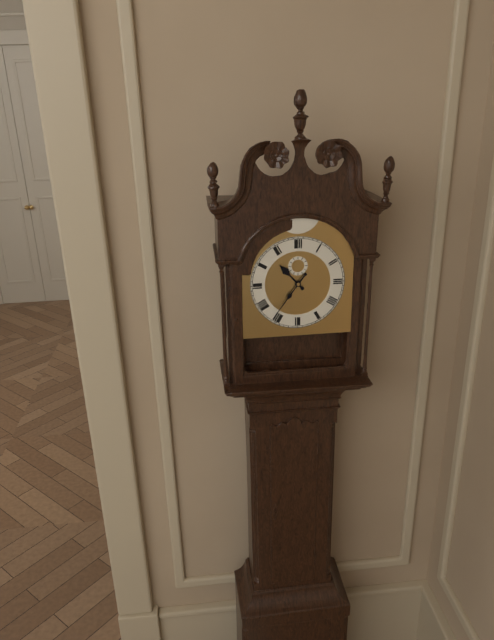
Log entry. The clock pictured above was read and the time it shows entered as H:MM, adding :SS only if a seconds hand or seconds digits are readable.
10:36
